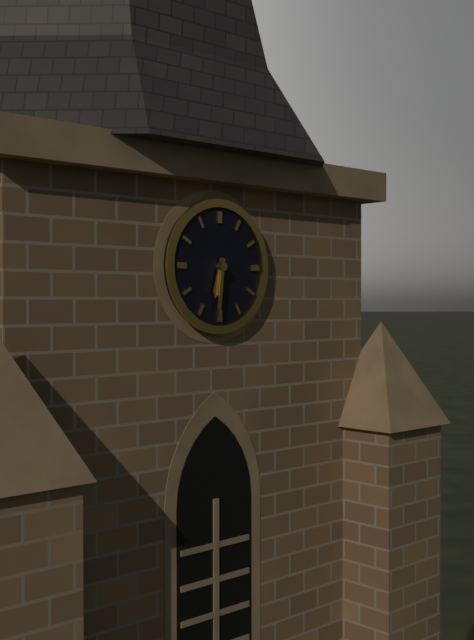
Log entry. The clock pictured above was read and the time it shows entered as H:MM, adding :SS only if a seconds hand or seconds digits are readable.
6:31
